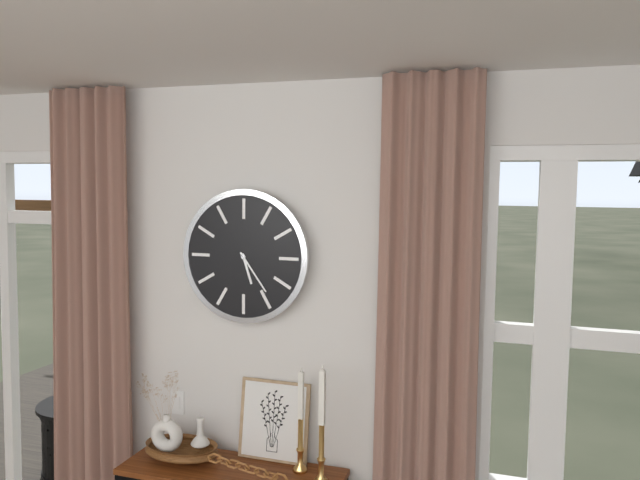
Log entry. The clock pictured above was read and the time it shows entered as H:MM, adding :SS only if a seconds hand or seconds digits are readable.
5:24
